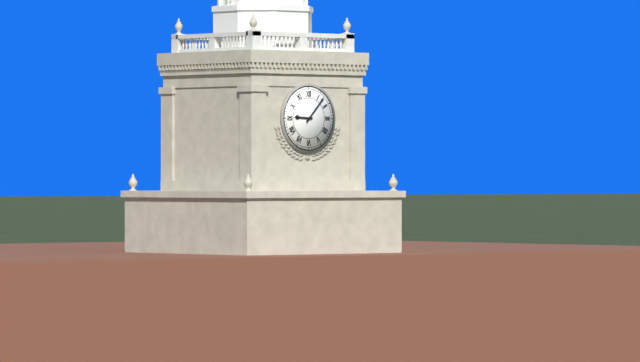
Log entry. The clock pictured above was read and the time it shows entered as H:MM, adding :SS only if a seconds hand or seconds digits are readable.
9:07
